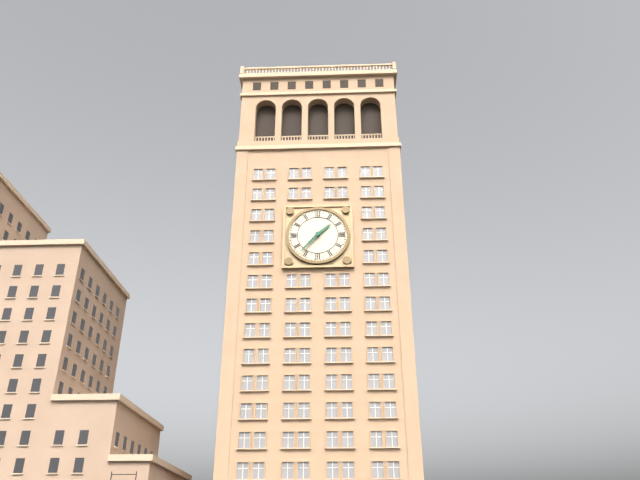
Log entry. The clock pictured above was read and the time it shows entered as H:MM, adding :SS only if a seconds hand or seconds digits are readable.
1:37
